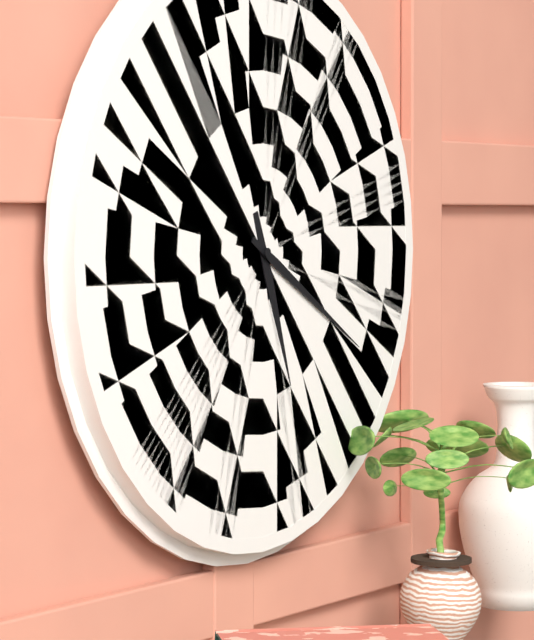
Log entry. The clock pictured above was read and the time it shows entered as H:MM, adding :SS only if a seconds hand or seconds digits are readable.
5:20
